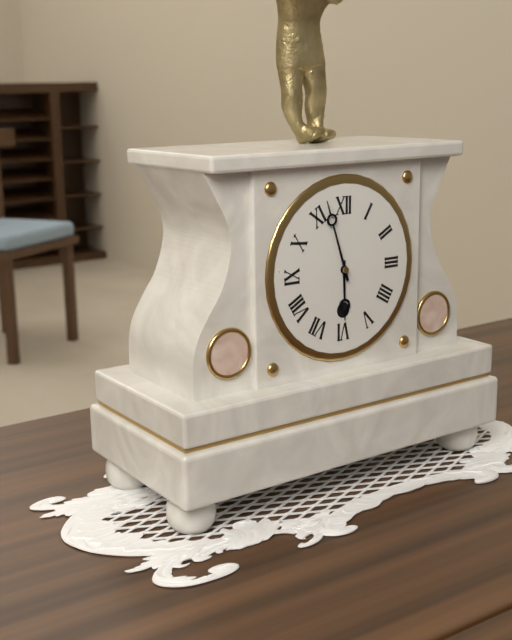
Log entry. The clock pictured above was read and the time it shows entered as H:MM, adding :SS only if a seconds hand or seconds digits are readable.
5:57
